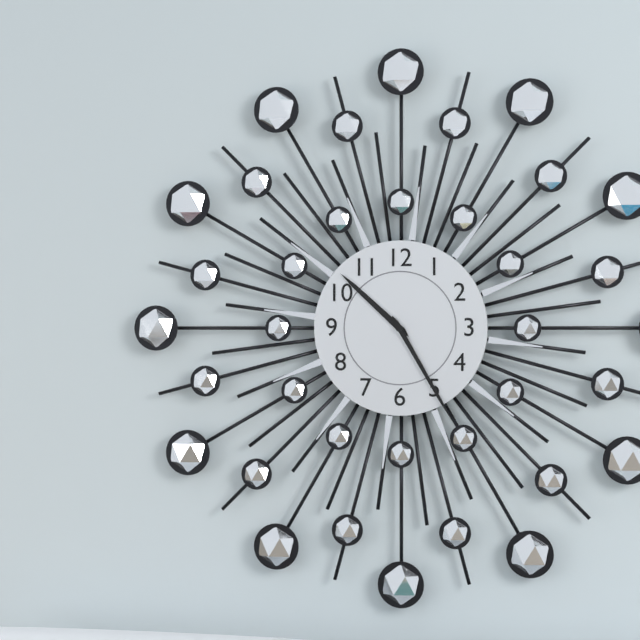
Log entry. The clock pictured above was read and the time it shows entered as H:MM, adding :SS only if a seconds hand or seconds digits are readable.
10:25
